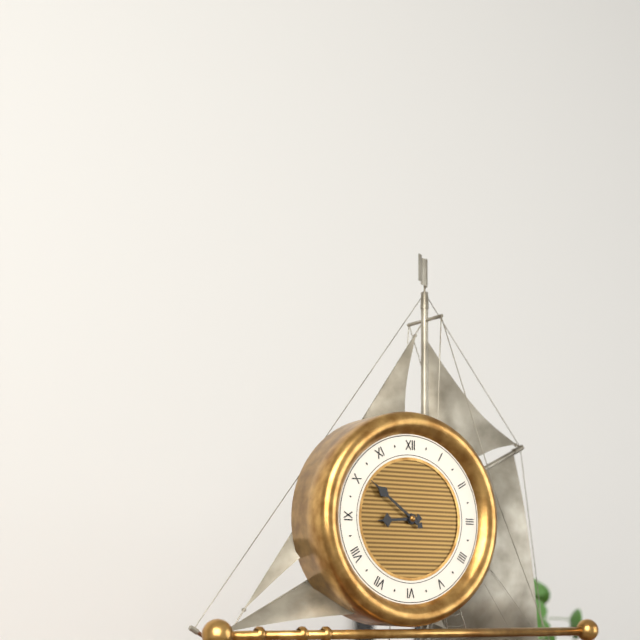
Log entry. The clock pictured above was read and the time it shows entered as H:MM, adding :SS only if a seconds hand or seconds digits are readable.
8:51
